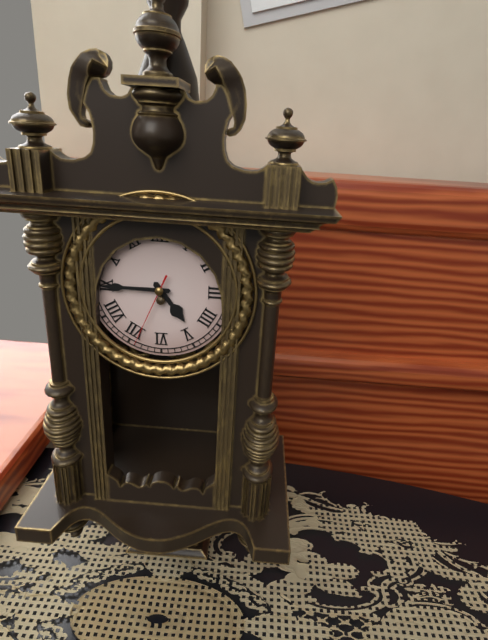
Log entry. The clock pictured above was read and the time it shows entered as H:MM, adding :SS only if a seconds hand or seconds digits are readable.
4:45:34
